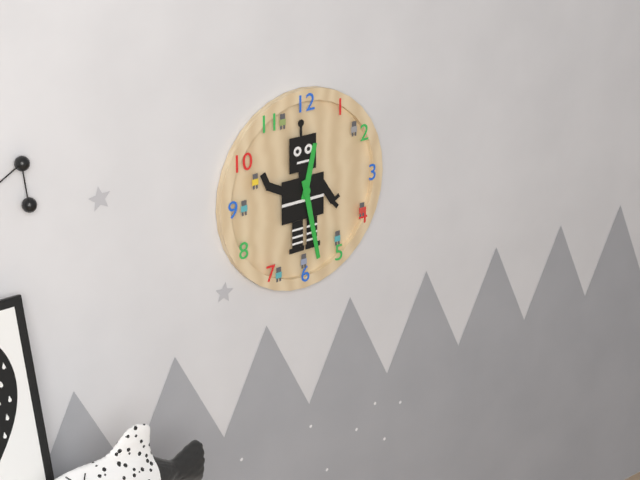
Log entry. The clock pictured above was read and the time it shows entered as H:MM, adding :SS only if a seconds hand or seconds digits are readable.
12:28
